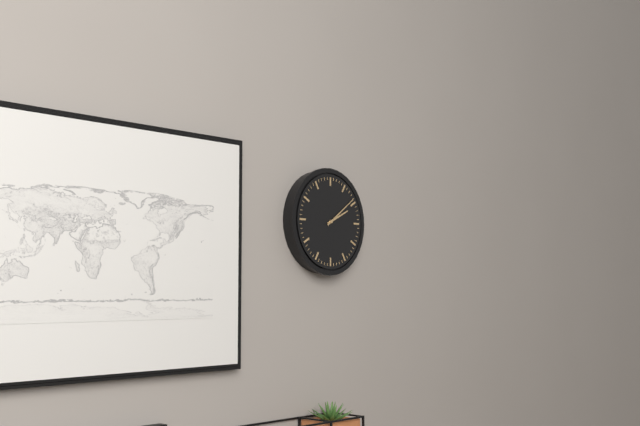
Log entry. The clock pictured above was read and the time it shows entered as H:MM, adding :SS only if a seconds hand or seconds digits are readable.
2:09
